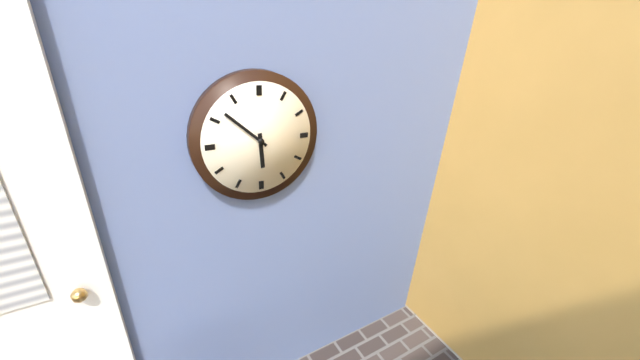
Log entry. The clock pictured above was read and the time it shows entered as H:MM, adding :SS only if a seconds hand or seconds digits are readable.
5:52
